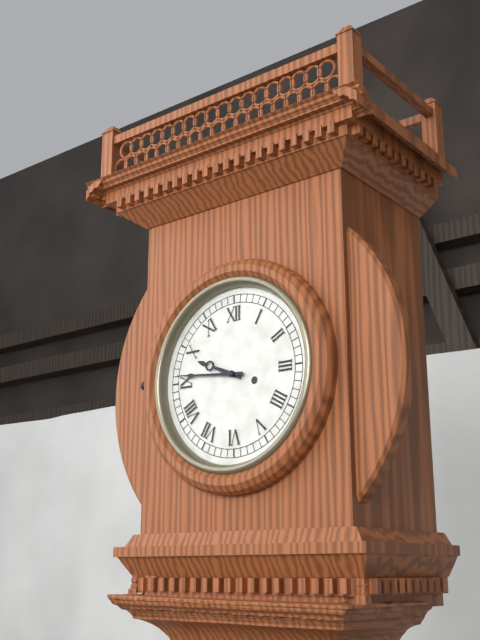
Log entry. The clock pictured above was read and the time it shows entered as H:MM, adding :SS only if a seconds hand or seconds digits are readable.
9:46
